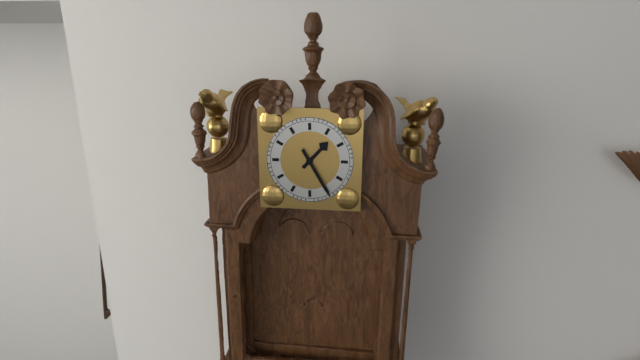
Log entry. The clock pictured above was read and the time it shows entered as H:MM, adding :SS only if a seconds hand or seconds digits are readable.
1:25
